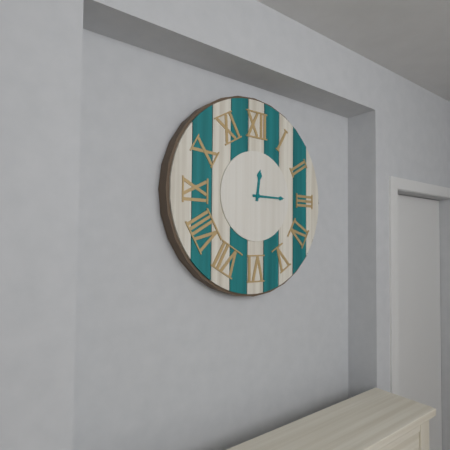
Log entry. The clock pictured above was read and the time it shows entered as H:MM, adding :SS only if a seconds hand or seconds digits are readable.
12:15
